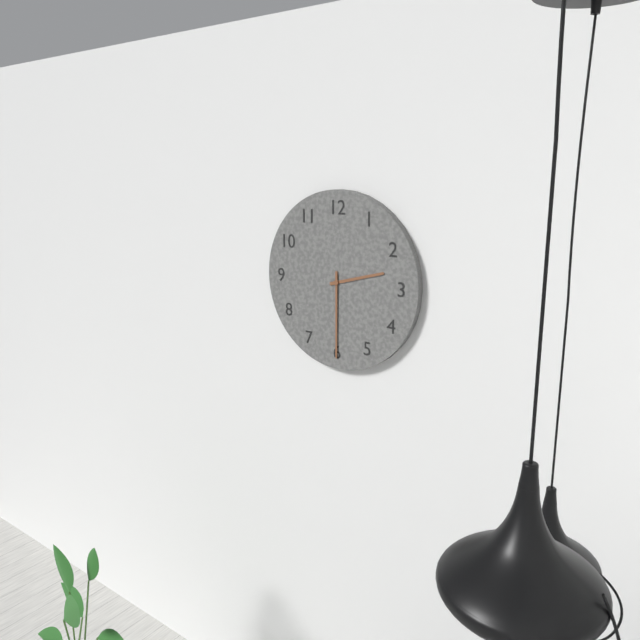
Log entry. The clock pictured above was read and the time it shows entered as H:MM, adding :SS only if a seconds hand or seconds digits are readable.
2:30
